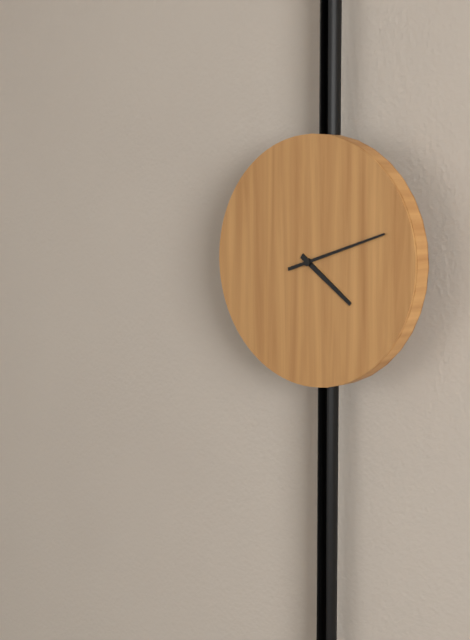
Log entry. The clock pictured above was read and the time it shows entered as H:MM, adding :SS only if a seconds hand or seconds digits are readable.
4:12
